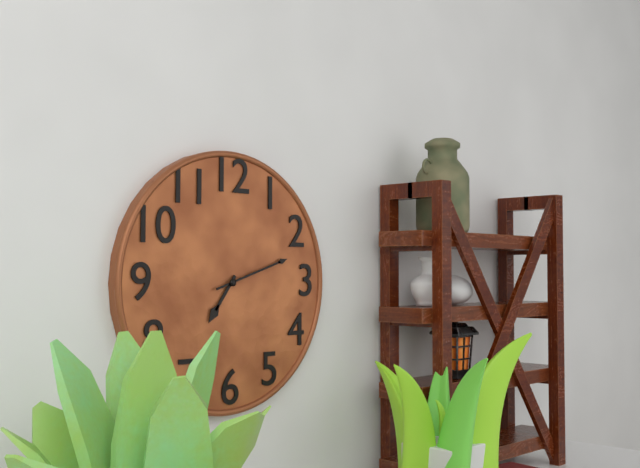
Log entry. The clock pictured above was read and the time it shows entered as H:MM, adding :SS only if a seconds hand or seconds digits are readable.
7:12
